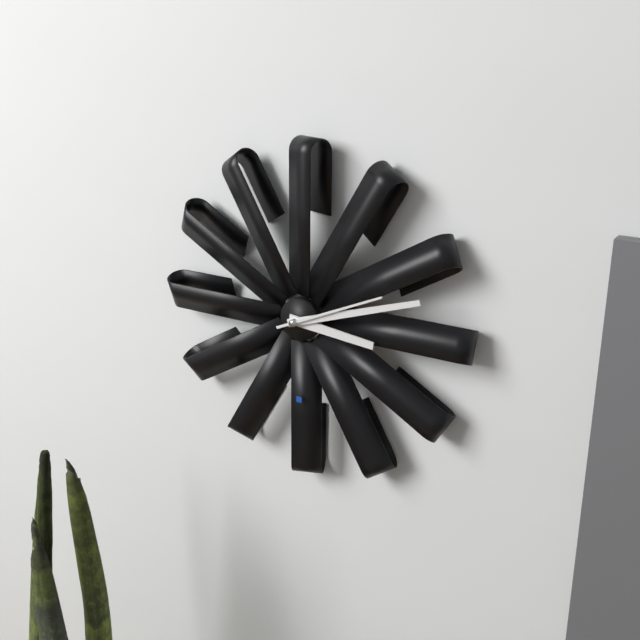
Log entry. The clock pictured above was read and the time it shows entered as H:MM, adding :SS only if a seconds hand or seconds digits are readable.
3:12:11
